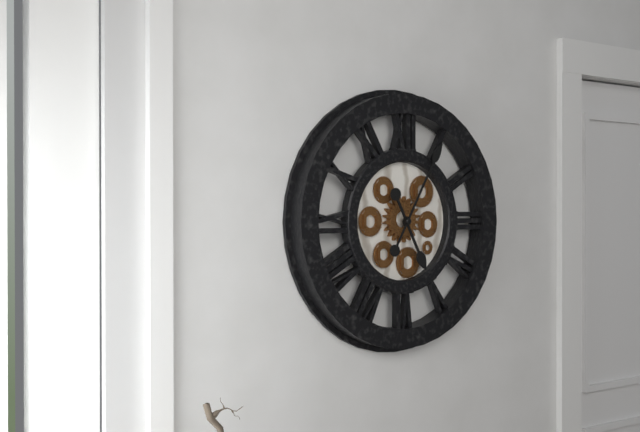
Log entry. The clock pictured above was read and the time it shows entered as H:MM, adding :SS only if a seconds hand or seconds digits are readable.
5:05
